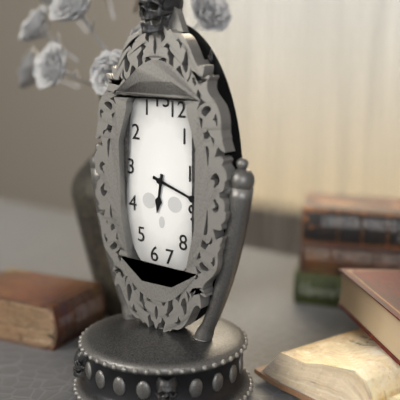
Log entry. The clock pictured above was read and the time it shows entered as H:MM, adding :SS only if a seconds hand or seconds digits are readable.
6:18
